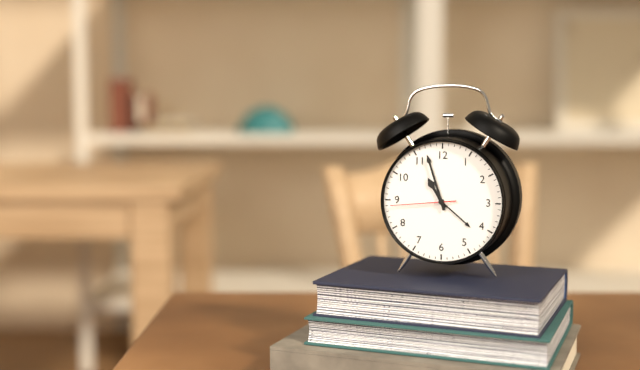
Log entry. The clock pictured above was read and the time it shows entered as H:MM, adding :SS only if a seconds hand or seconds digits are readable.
10:57:44
